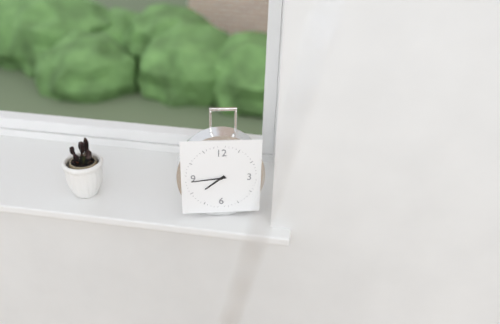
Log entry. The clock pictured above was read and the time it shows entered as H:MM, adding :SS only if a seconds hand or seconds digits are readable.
7:44
